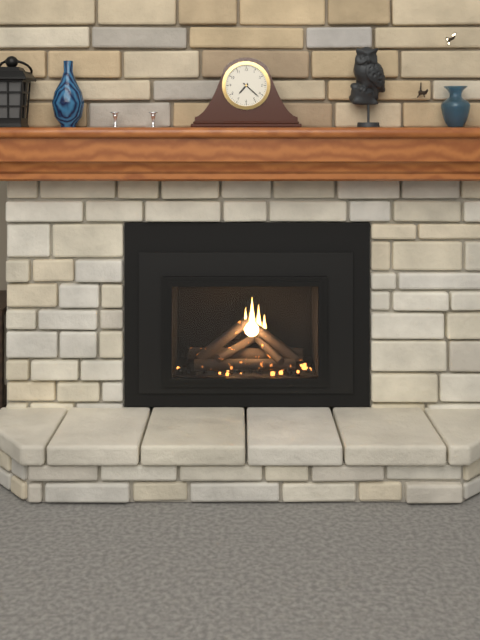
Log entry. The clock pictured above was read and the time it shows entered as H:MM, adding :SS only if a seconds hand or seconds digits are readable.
7:22
